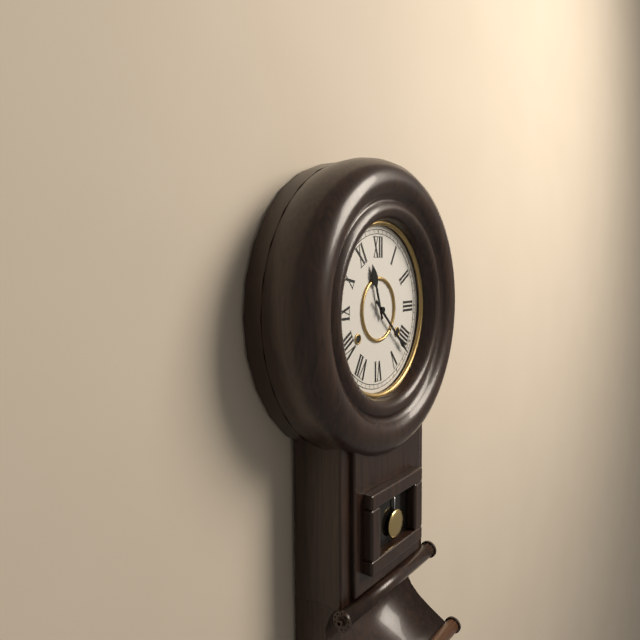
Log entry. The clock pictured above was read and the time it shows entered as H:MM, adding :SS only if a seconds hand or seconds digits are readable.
11:22
